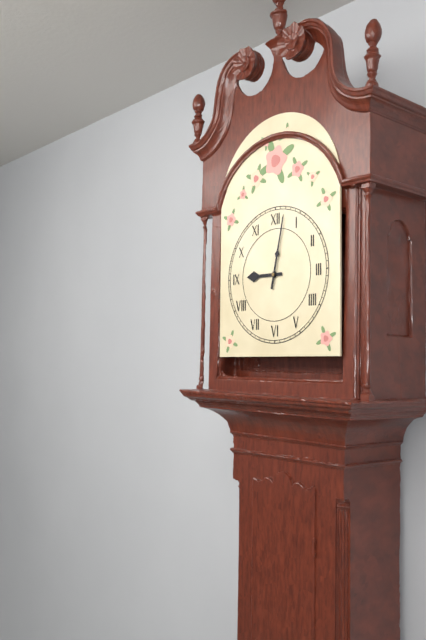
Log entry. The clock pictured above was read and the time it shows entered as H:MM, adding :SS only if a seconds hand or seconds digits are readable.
9:02
